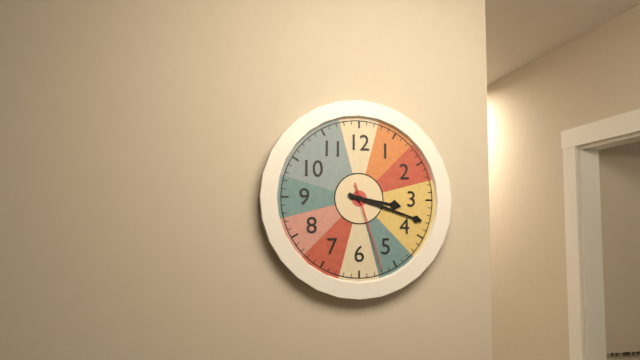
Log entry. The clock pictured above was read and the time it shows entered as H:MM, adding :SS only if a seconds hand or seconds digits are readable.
3:18:27
